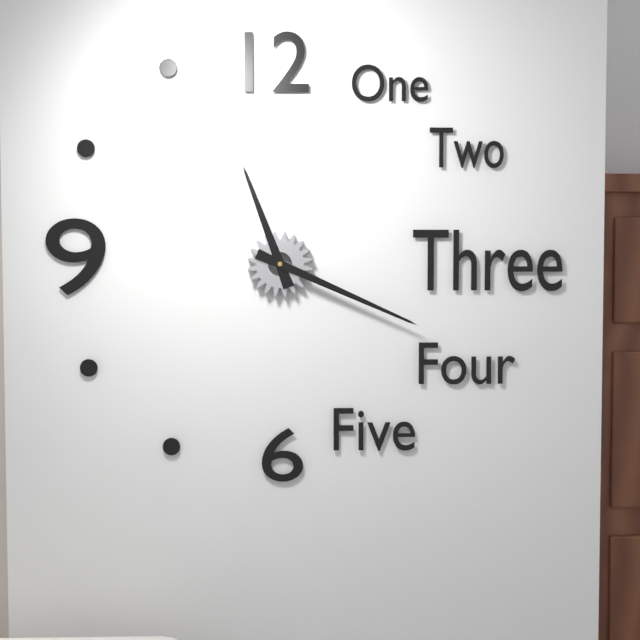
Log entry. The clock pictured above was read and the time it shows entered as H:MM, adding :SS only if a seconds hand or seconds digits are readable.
11:19
